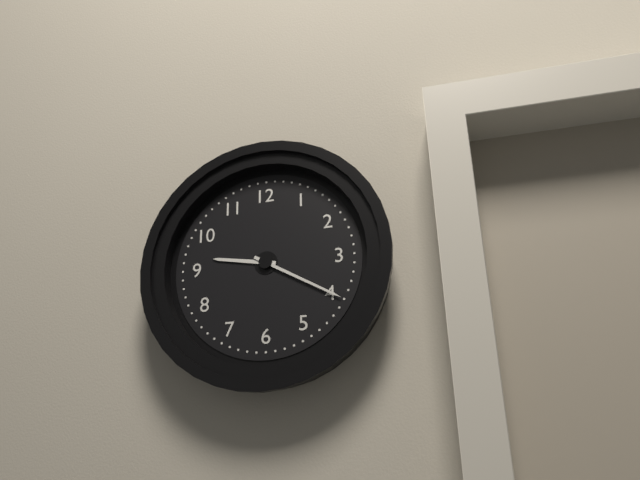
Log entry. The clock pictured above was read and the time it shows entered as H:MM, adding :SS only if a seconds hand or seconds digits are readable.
9:20
